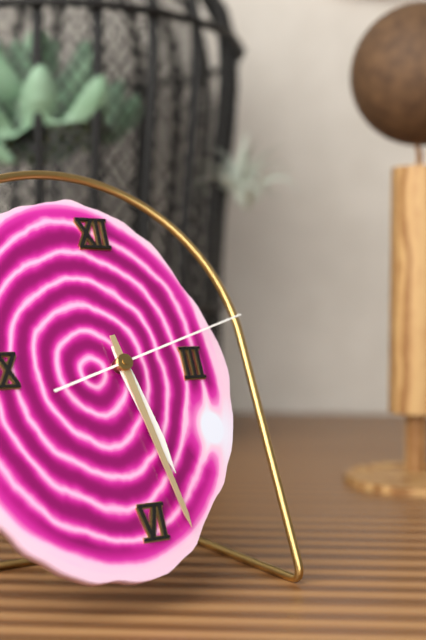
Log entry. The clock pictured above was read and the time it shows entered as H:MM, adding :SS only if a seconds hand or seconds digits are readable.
5:28:12
